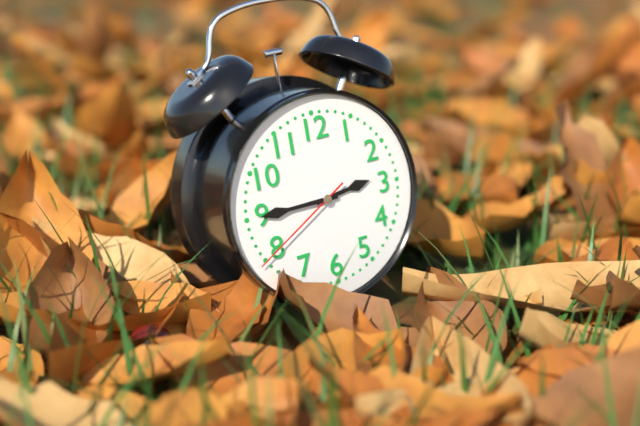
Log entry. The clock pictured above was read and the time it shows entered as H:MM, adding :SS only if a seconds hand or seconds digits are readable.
2:45:40
